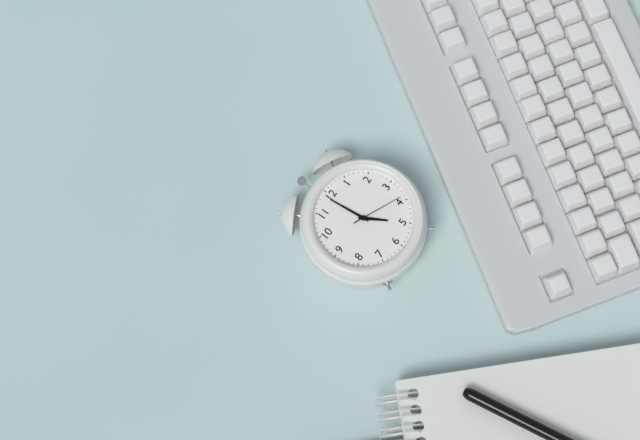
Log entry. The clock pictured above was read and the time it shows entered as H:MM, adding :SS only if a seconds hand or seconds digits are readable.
4:59:19
